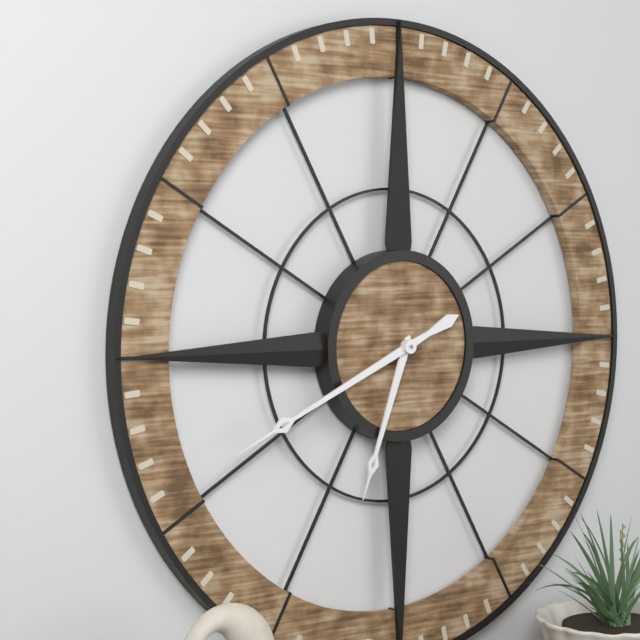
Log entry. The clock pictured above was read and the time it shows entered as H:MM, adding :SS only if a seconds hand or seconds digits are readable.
6:41
